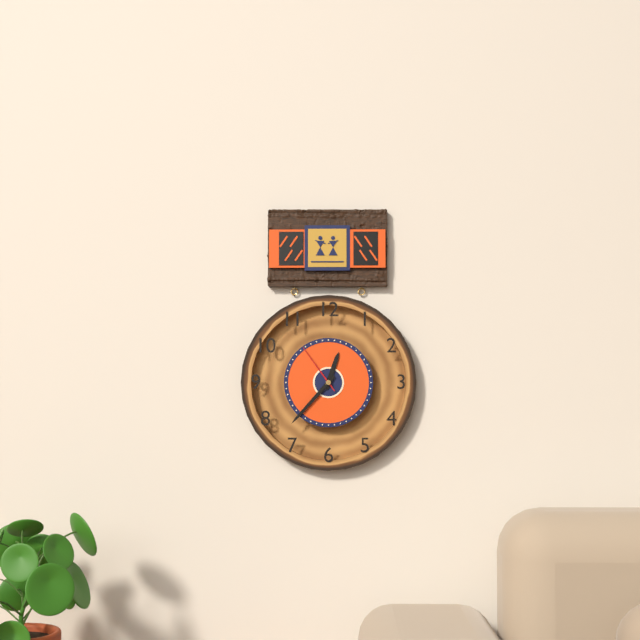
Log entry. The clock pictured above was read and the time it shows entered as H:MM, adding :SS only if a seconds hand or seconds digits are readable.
12:37:54
